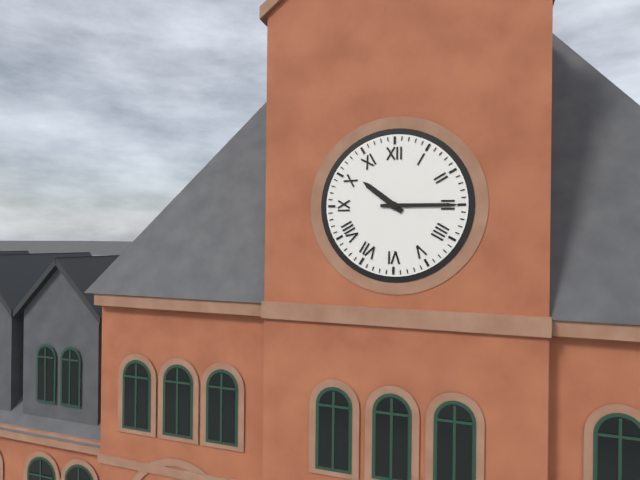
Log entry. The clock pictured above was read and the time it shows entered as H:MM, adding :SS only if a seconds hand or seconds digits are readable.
10:15
